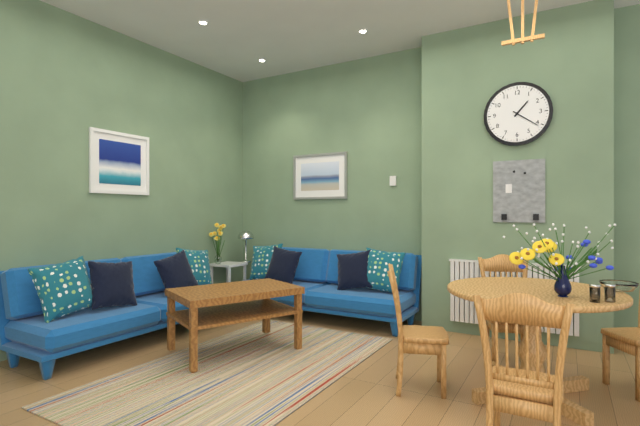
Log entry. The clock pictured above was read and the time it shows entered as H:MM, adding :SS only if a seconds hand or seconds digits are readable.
1:21
